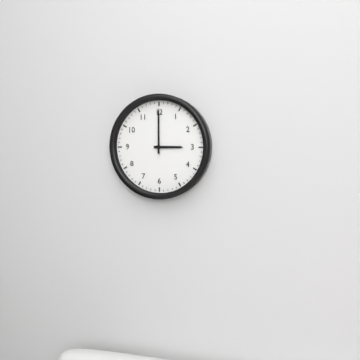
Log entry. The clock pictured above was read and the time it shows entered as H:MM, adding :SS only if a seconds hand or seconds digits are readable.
3:00
